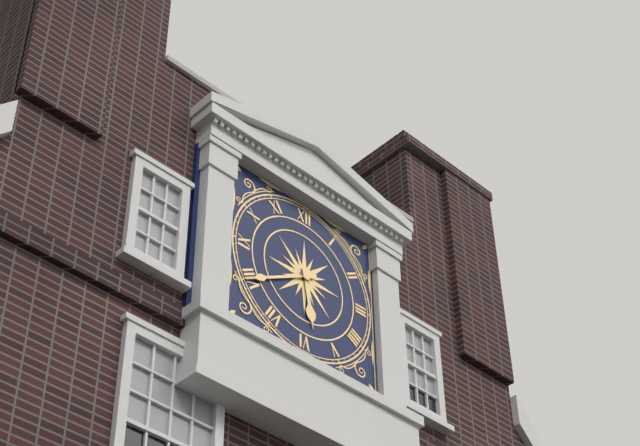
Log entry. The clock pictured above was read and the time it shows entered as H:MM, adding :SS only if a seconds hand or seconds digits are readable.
5:40
